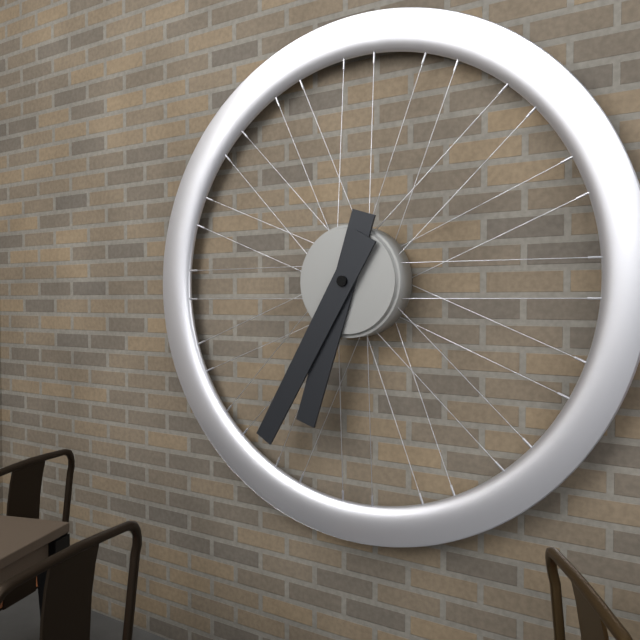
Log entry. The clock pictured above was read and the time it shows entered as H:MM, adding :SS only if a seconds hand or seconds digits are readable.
6:35
